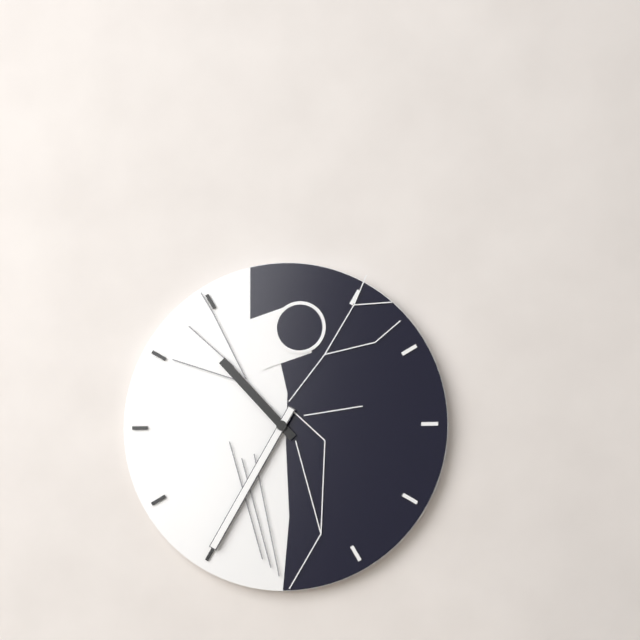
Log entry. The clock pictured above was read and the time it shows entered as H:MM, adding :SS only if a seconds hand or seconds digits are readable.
10:35
